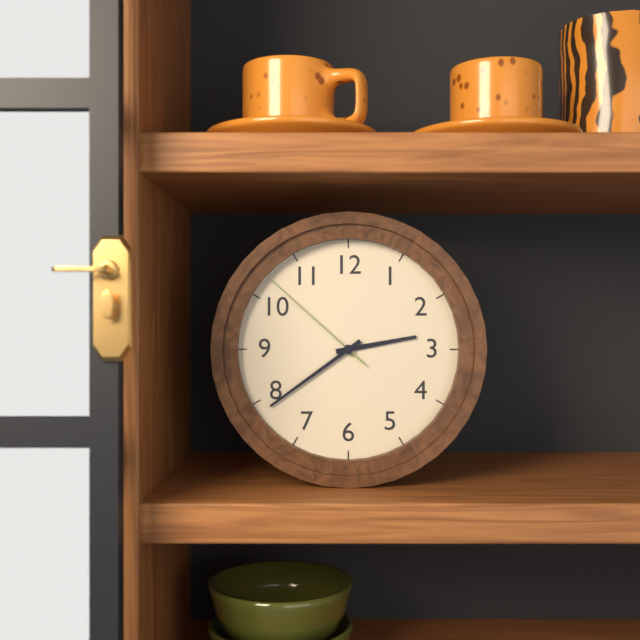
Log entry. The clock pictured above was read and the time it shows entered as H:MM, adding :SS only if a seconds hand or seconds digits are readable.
2:39:52
